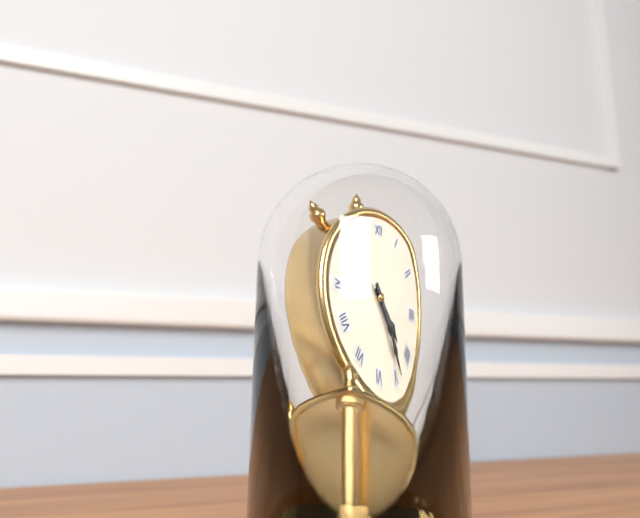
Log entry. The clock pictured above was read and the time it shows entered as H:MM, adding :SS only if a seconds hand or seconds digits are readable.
4:24
